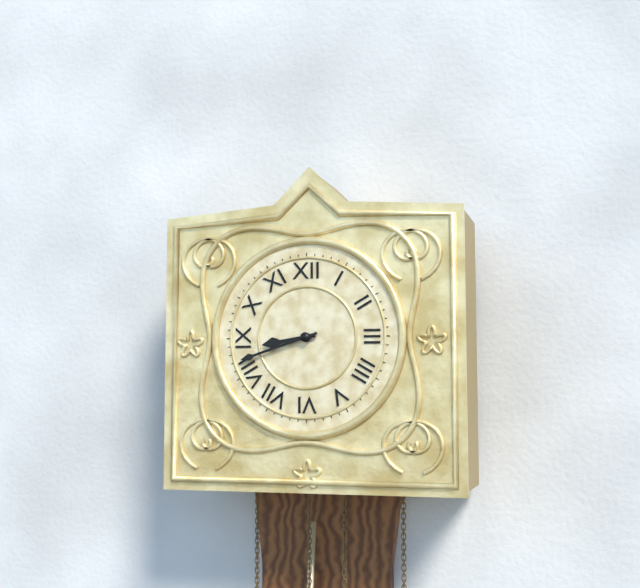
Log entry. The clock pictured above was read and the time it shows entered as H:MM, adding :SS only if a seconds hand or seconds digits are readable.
8:42
